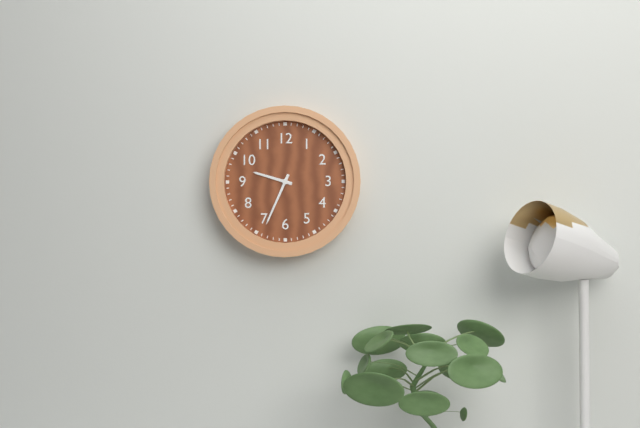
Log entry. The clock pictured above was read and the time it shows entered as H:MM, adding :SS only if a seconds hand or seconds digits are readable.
9:34
